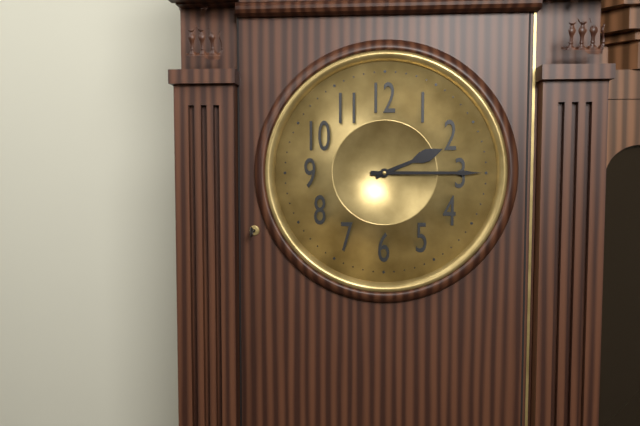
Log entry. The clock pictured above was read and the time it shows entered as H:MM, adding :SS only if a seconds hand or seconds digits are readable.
2:15
